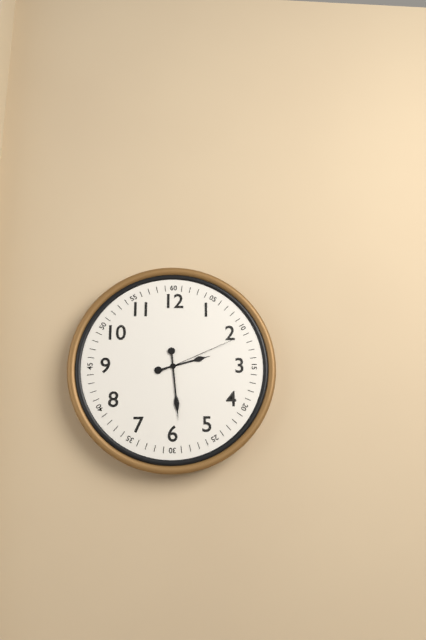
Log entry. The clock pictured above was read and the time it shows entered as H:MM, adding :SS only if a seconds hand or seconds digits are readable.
2:29:11
